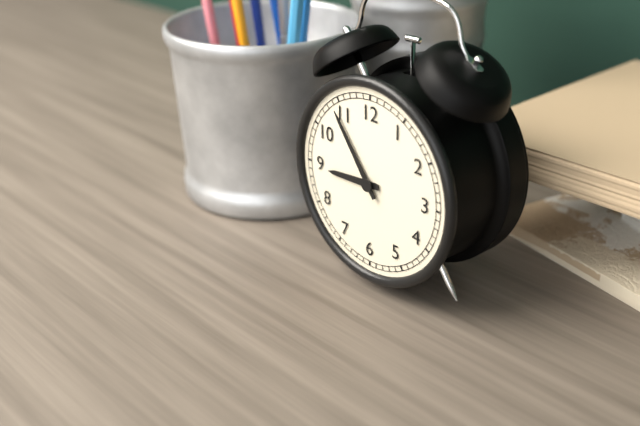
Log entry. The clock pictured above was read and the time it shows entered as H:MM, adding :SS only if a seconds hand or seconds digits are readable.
8:54
